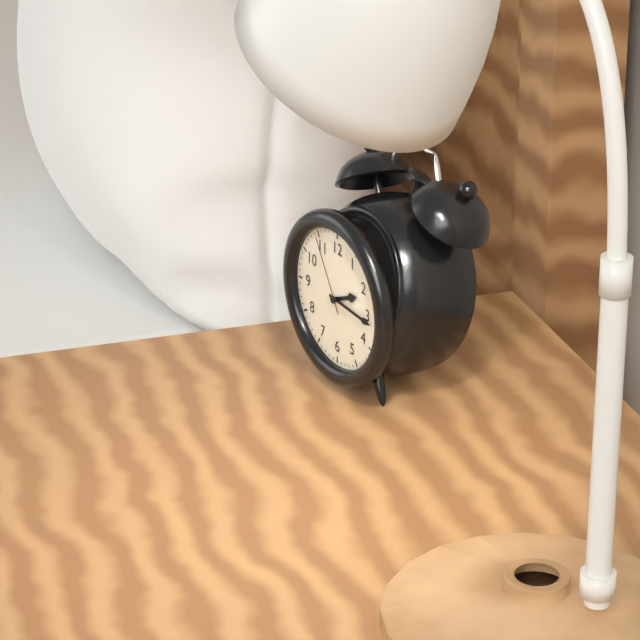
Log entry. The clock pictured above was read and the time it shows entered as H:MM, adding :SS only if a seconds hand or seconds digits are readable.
2:16:55
